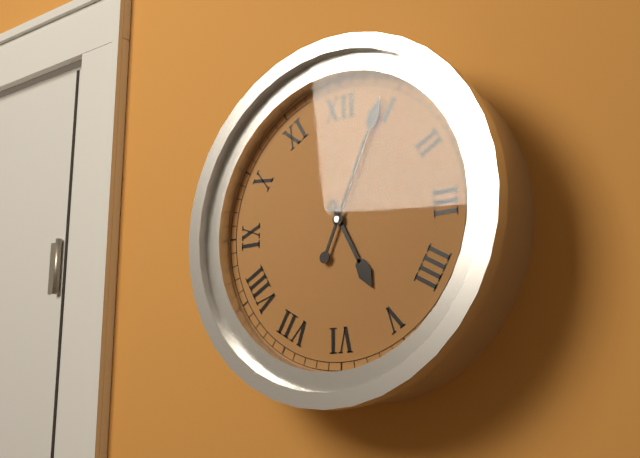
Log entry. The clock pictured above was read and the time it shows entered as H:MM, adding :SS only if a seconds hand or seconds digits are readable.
5:04
